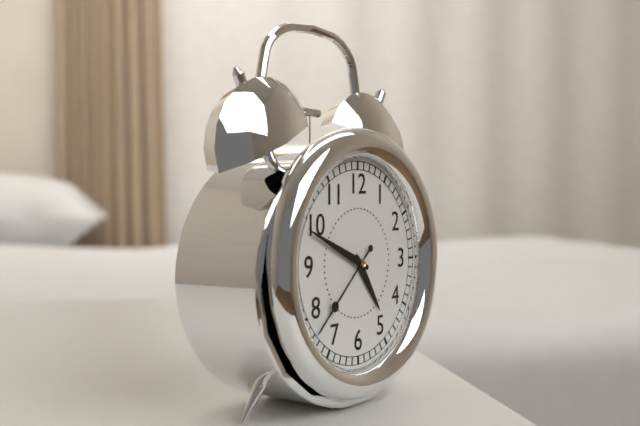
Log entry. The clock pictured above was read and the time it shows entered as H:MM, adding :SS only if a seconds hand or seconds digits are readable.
4:49:38
